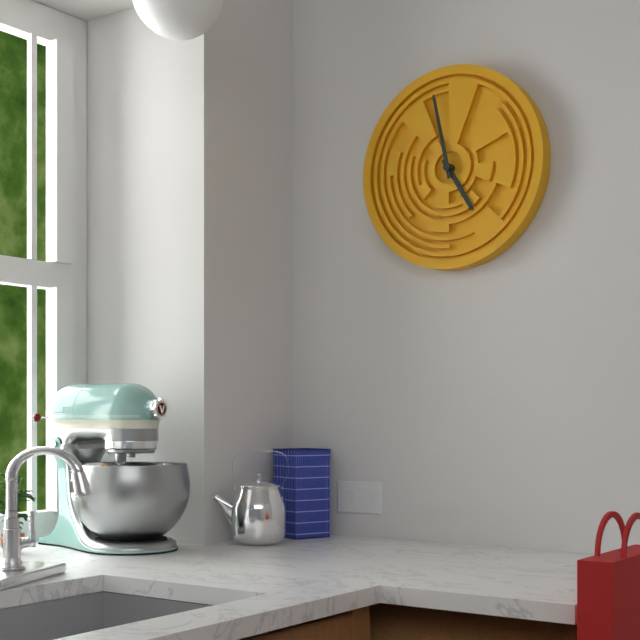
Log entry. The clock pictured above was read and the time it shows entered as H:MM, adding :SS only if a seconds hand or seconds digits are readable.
4:58
